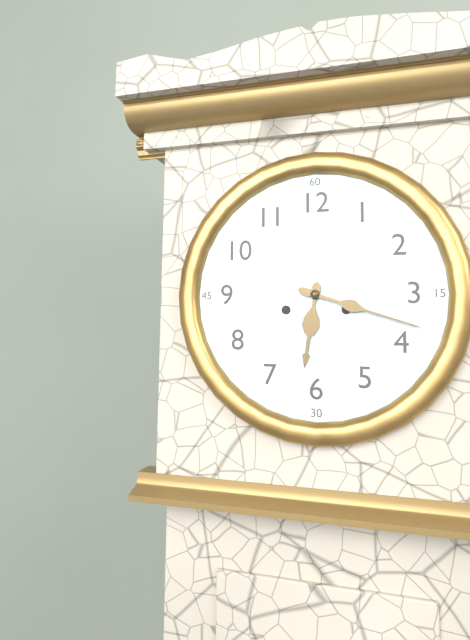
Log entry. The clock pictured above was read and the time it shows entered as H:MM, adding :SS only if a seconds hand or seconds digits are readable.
6:18
